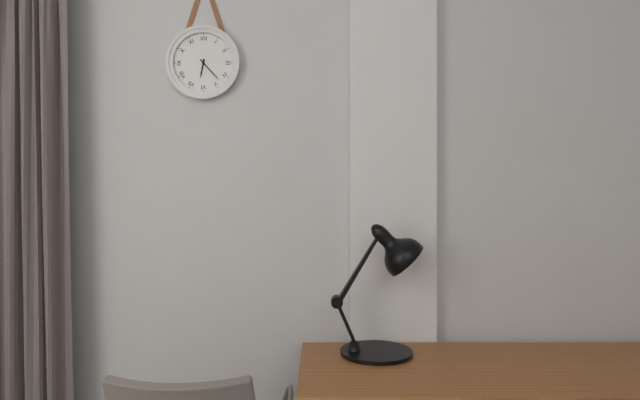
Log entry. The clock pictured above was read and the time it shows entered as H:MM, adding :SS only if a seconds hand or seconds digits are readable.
6:23
